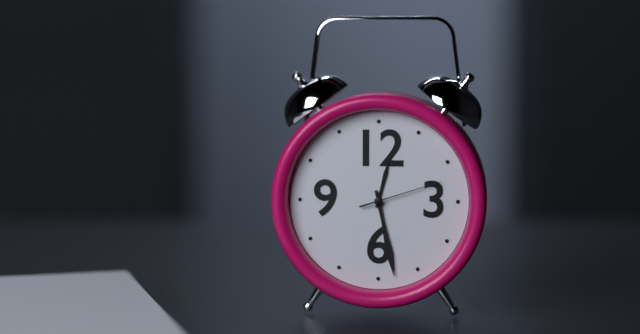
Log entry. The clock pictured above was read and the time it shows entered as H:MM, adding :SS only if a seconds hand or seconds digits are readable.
12:28:12
